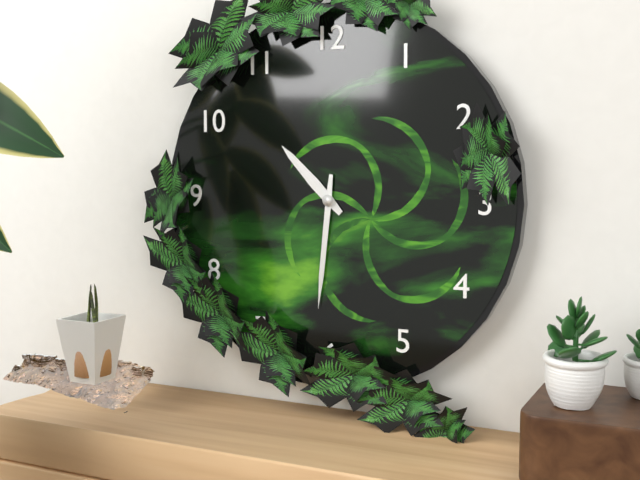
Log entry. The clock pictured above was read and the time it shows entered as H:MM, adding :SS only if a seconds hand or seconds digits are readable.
10:31
